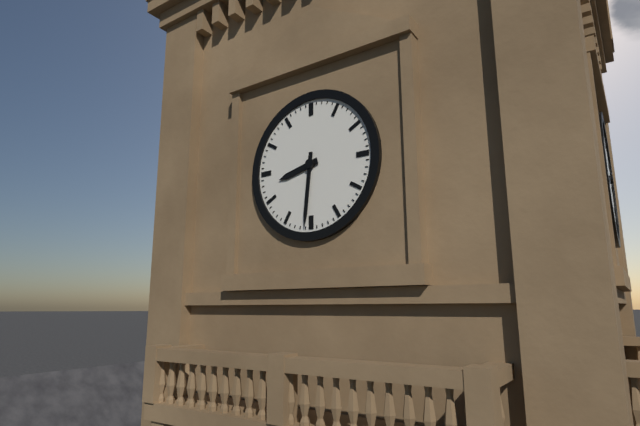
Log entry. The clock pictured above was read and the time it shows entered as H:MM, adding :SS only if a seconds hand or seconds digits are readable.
8:31
